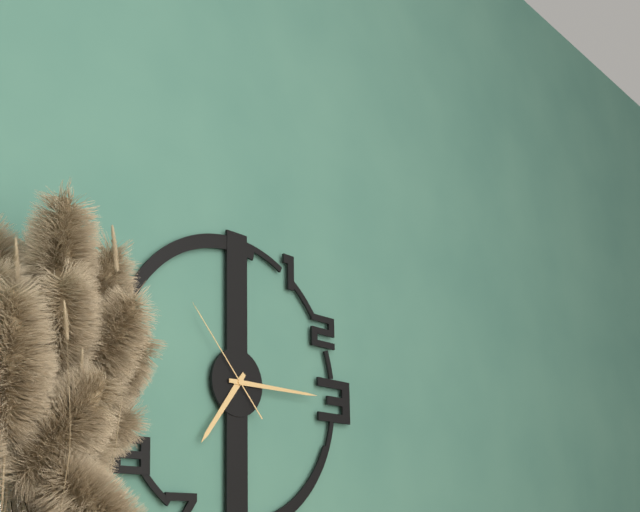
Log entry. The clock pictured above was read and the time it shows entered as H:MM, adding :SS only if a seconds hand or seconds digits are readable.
7:15:53
